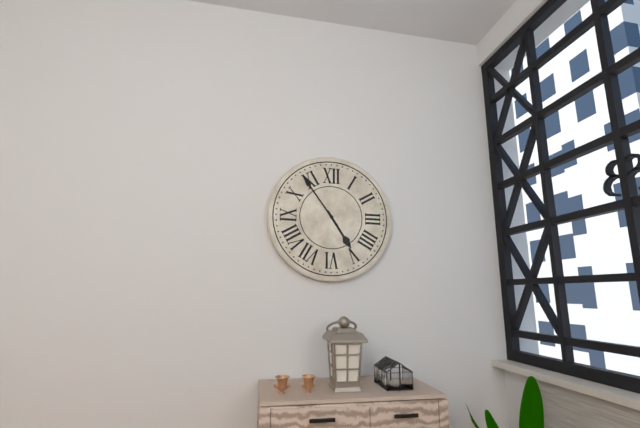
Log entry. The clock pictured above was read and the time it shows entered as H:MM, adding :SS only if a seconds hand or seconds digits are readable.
4:54
